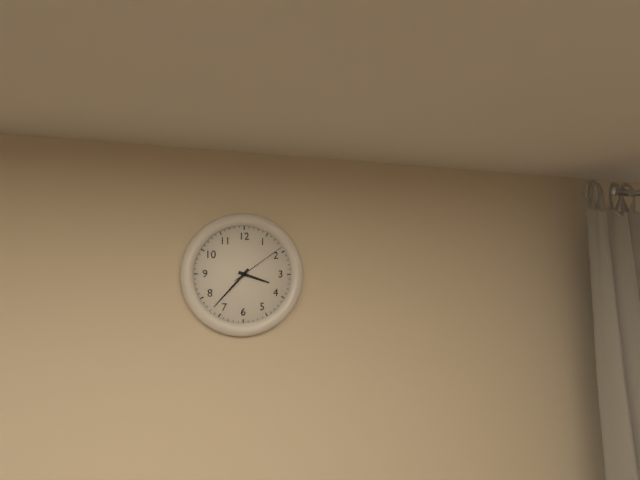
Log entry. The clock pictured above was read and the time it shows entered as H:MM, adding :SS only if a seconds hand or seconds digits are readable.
3:37:09
